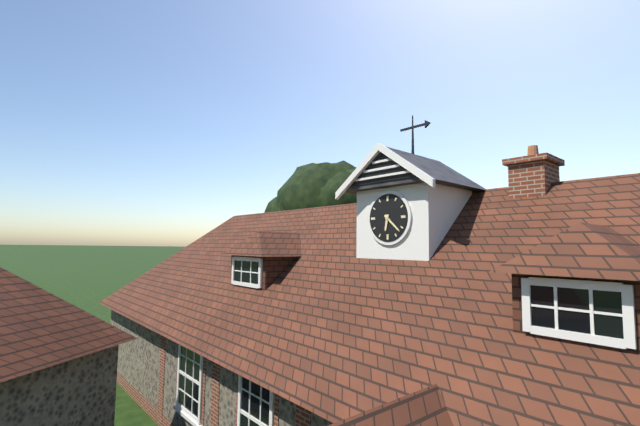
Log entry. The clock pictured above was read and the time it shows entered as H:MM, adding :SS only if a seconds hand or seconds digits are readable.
6:22
